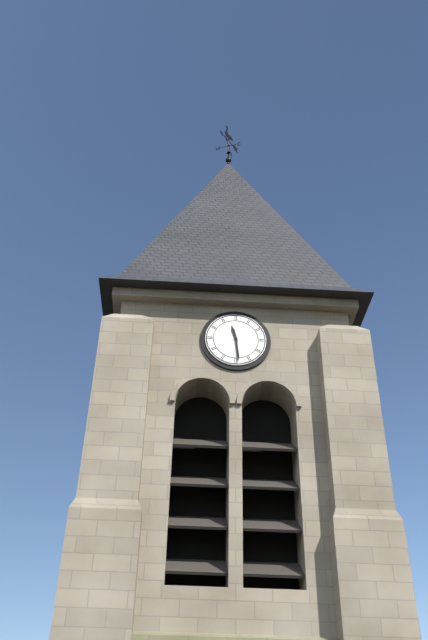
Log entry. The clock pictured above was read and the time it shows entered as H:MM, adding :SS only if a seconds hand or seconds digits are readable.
11:29
